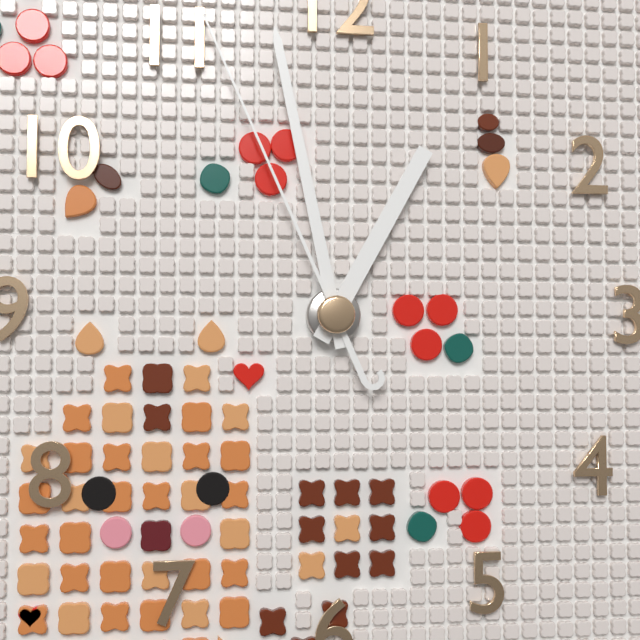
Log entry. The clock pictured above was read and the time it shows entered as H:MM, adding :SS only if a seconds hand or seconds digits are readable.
12:58:56
